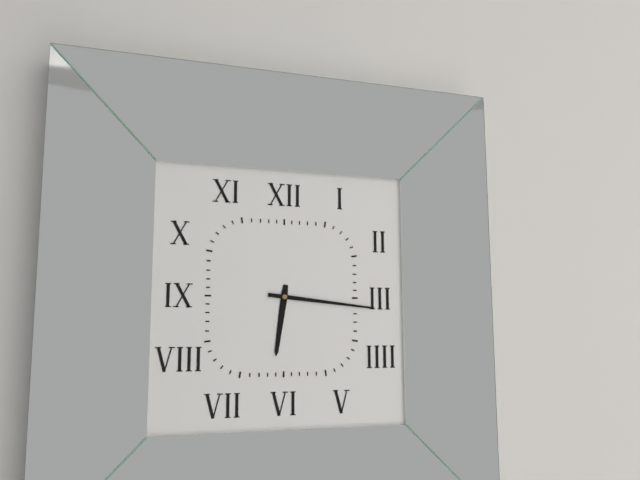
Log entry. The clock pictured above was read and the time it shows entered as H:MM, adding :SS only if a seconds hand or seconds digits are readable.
6:16
